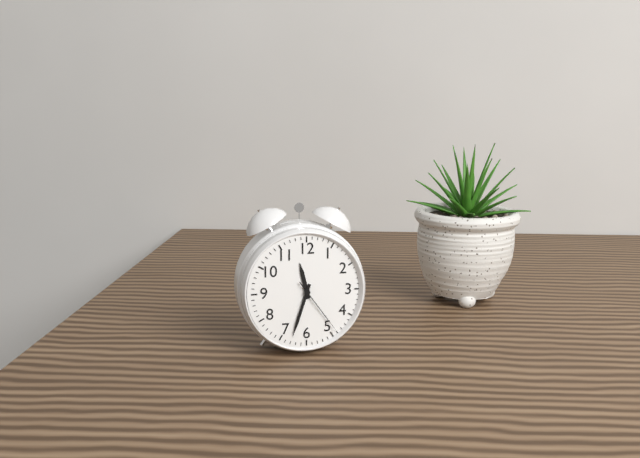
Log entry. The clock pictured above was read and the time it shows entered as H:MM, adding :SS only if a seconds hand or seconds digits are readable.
11:33:24
